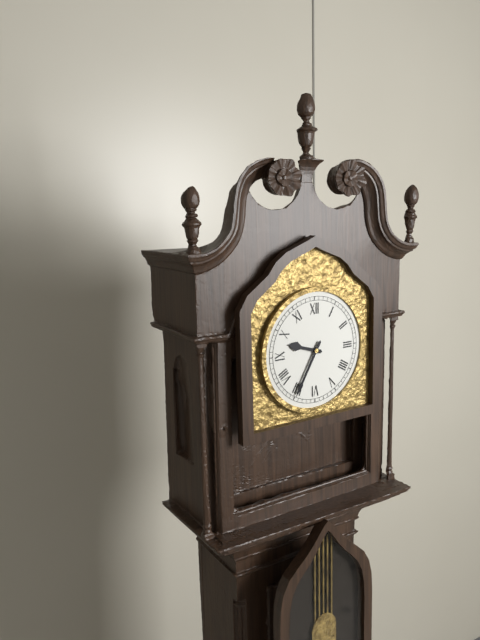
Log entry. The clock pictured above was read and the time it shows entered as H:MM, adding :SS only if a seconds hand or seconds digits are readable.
9:35
